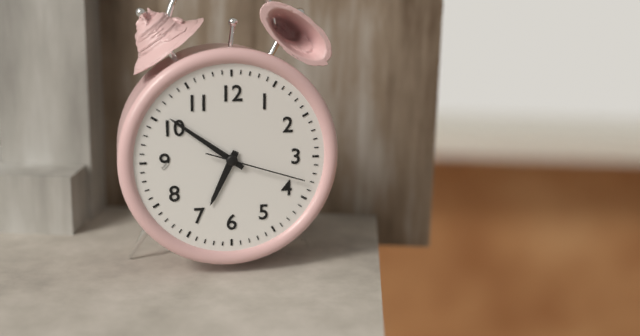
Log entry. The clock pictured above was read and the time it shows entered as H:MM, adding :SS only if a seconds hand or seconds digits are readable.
6:51:18
